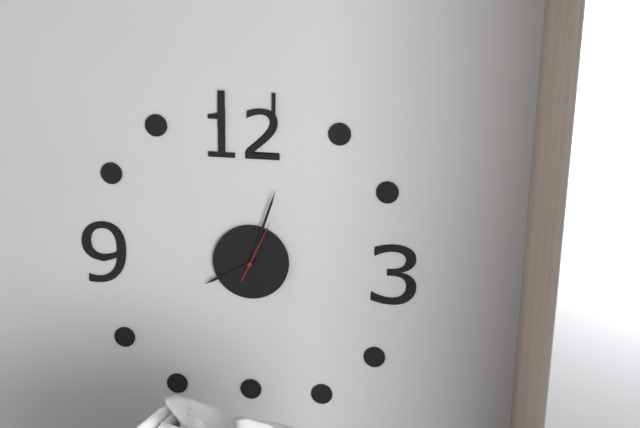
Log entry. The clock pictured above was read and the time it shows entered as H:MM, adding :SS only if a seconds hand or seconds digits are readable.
8:03:04
